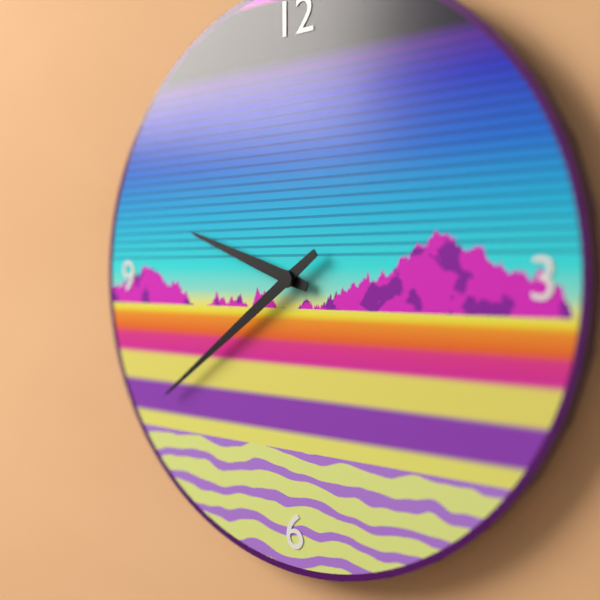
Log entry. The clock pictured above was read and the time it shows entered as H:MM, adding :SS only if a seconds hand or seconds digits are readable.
9:39
